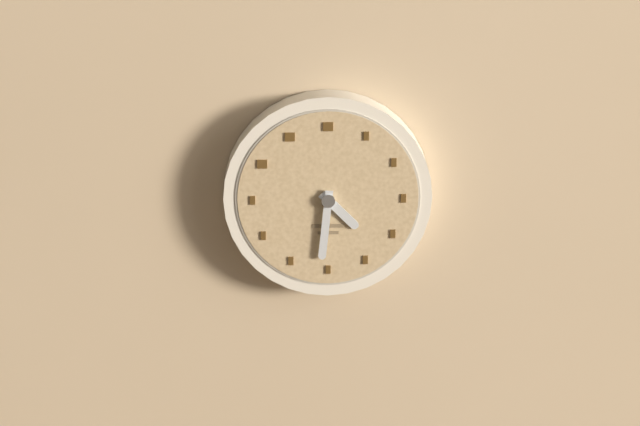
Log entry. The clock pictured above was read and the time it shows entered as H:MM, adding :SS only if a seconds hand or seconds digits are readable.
4:31
